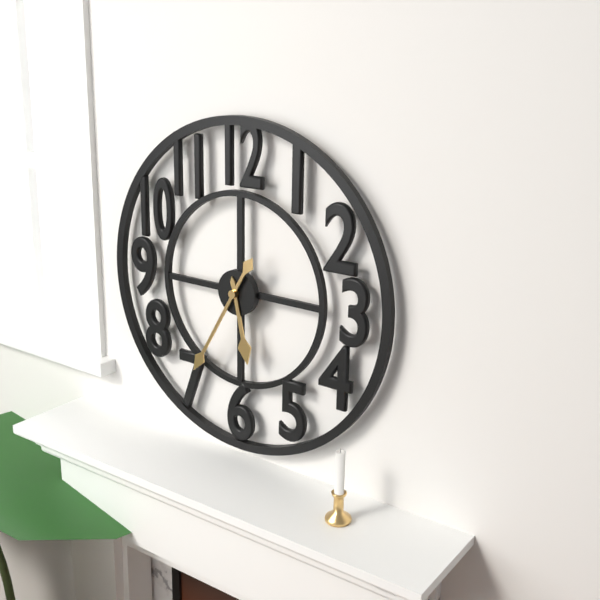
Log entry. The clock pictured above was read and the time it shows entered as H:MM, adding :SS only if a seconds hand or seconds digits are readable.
5:35
